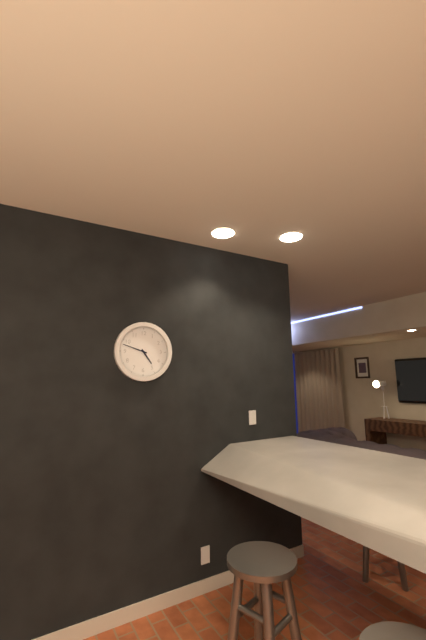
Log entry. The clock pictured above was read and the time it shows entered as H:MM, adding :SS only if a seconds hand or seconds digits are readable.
4:48
